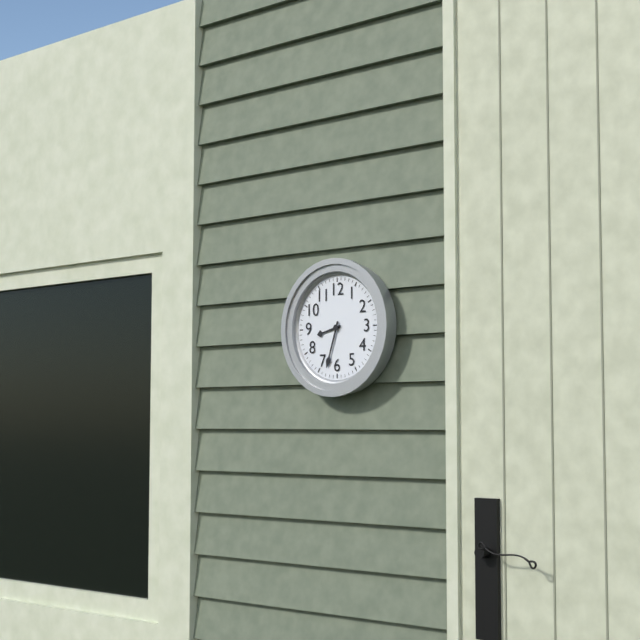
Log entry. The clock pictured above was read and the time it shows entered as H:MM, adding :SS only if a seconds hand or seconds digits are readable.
8:33
